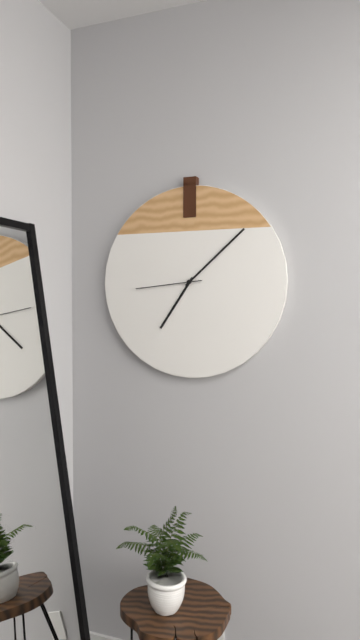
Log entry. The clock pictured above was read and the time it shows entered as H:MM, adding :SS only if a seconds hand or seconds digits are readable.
7:08:44
